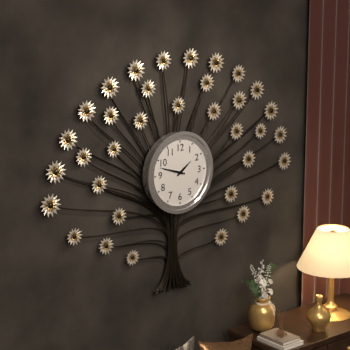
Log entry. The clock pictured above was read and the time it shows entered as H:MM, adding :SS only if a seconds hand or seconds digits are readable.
1:48
